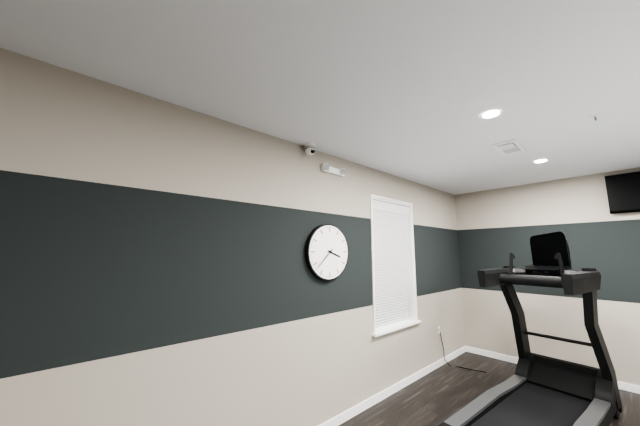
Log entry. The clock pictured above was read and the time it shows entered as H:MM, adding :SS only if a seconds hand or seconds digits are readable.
3:38
